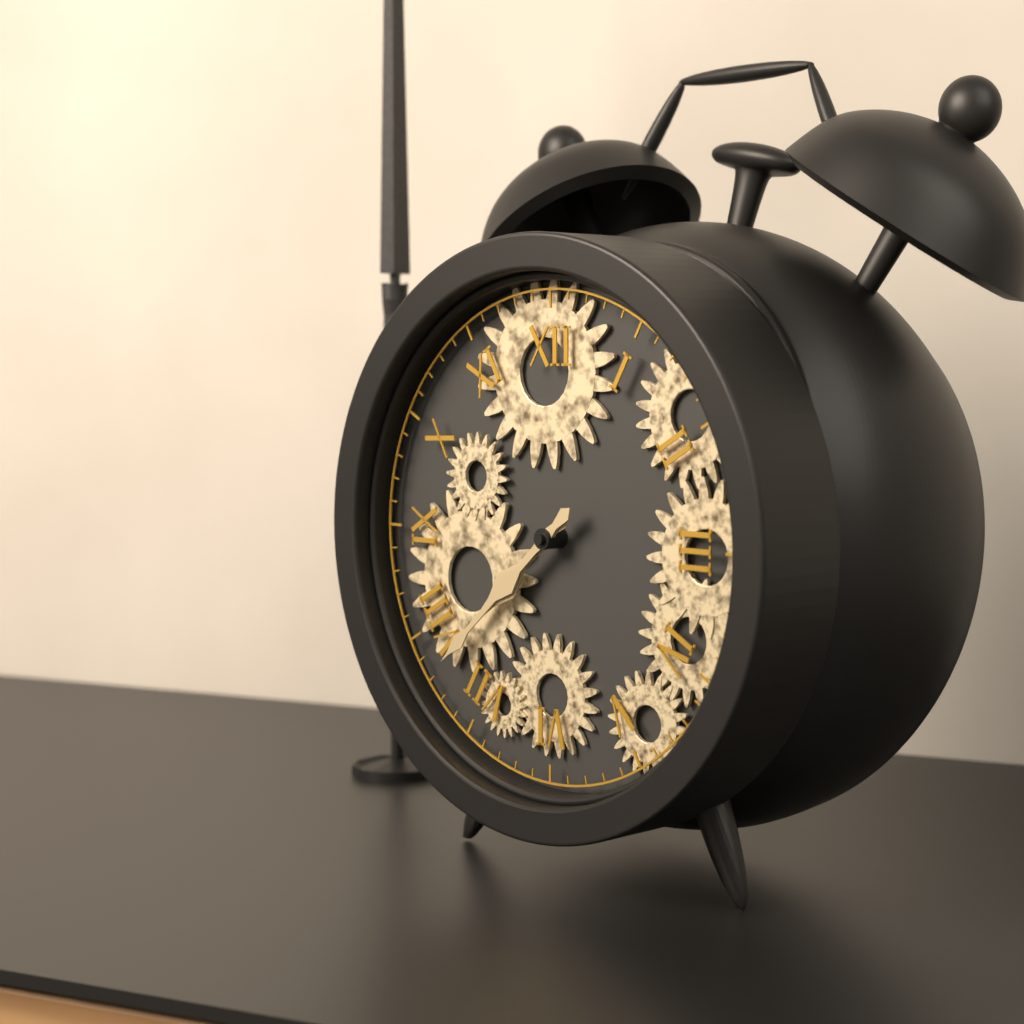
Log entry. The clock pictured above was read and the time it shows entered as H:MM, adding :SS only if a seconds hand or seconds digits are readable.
7:38
